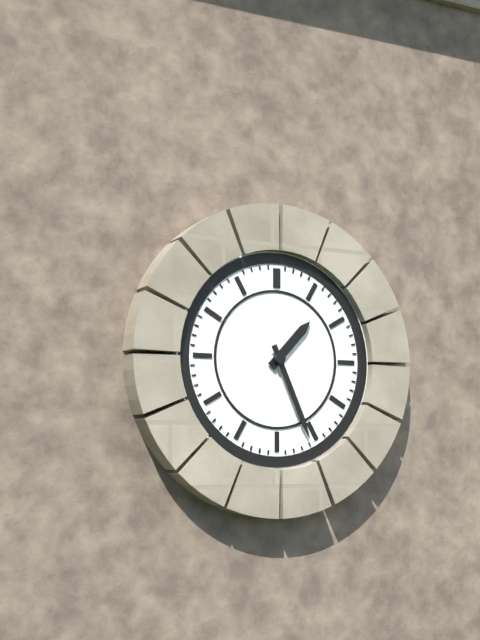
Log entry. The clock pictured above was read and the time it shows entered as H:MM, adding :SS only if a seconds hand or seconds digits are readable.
1:26
